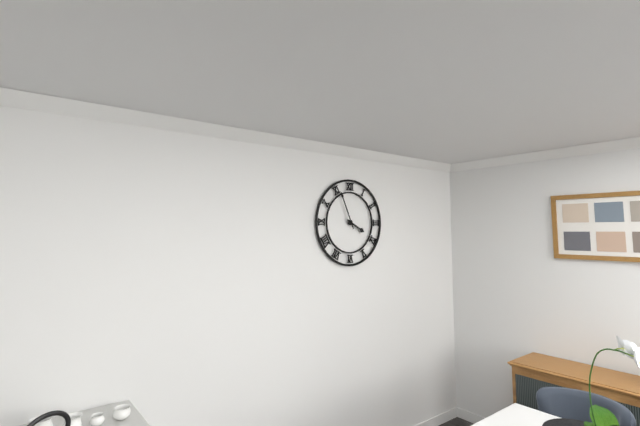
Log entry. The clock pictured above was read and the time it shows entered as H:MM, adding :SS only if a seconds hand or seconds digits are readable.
3:56
